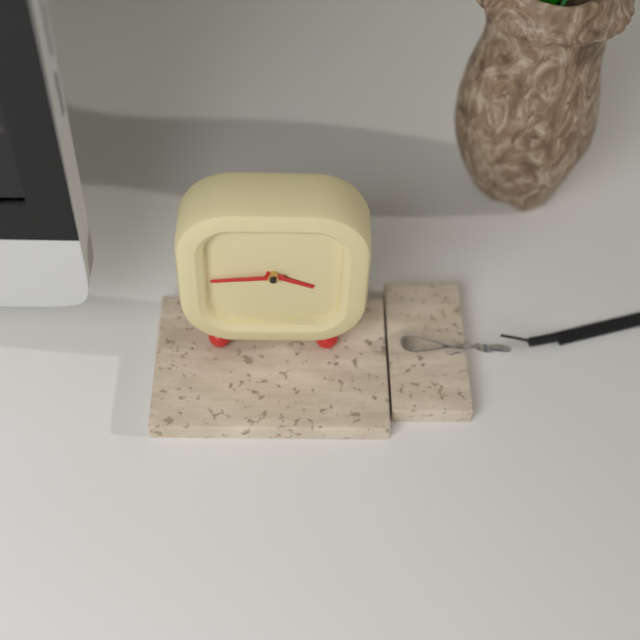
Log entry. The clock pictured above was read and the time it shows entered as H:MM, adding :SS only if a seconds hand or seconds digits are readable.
3:44
